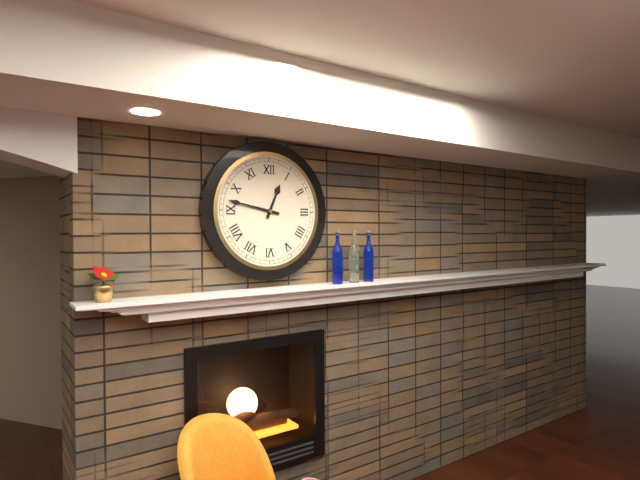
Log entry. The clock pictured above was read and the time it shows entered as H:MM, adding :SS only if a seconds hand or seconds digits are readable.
12:47
